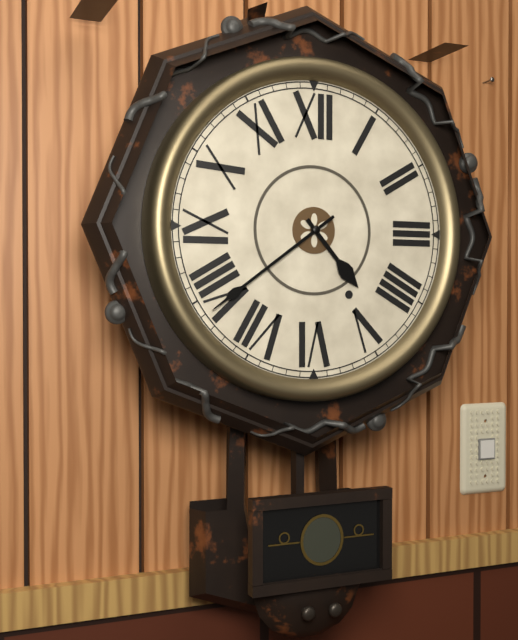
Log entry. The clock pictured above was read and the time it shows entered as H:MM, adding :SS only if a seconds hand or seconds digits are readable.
4:39
